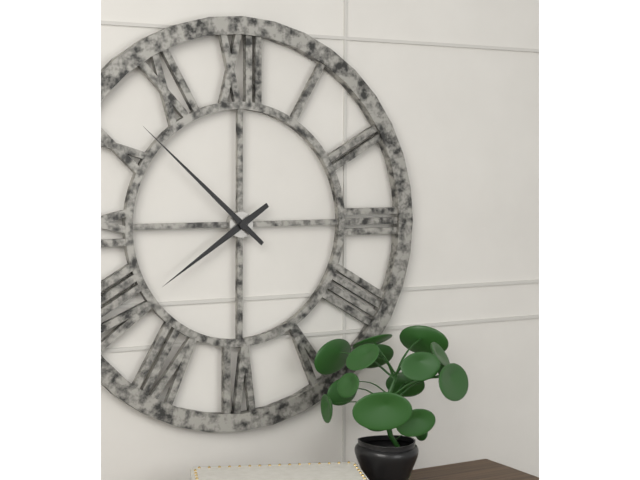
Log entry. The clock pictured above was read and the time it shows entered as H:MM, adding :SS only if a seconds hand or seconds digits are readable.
7:52
